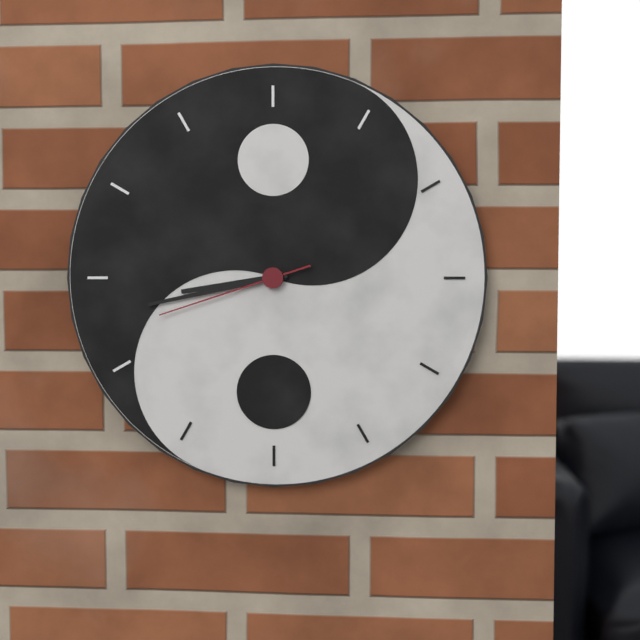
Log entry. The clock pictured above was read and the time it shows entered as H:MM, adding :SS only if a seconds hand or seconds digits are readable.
8:43:42
